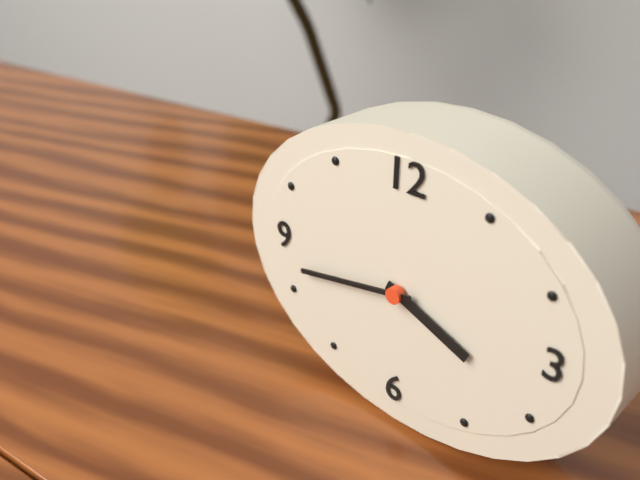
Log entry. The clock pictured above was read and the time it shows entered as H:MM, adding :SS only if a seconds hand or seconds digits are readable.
3:43
